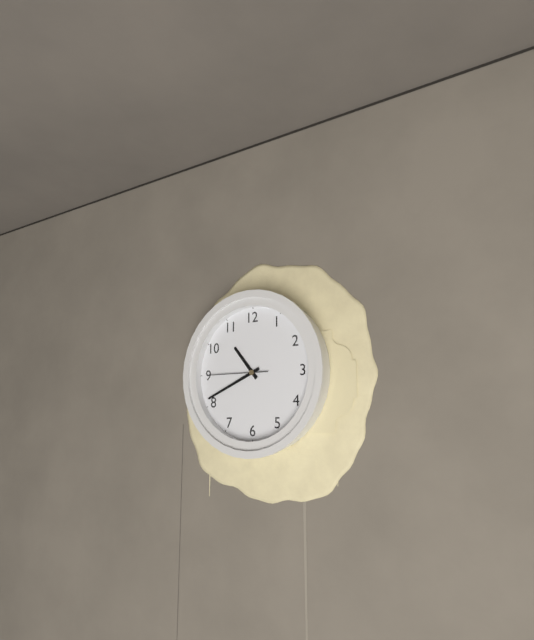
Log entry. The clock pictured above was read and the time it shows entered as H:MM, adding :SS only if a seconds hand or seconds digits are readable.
10:41:45
